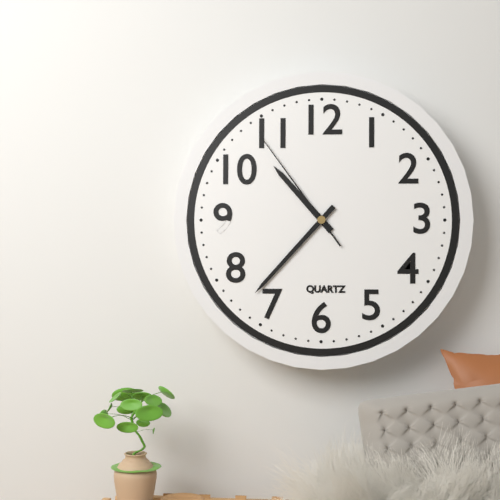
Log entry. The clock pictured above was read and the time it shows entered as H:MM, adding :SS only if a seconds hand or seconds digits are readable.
10:37:54
